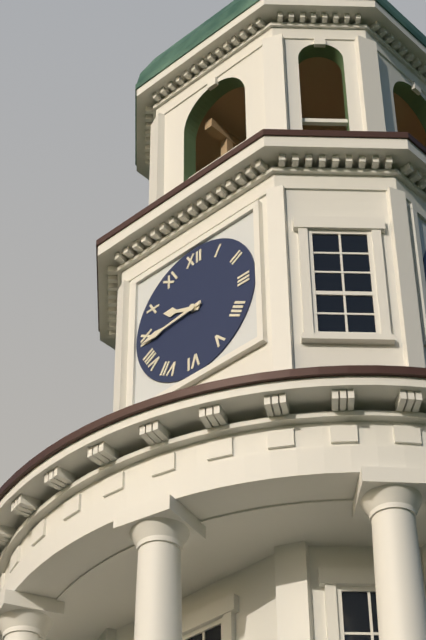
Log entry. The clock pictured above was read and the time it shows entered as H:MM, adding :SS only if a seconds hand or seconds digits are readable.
9:44
